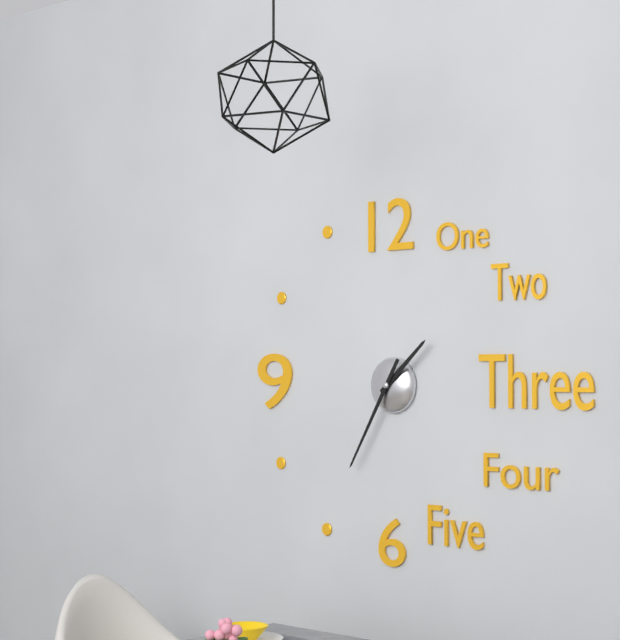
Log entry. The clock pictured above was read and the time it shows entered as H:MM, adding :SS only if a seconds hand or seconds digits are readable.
1:35
